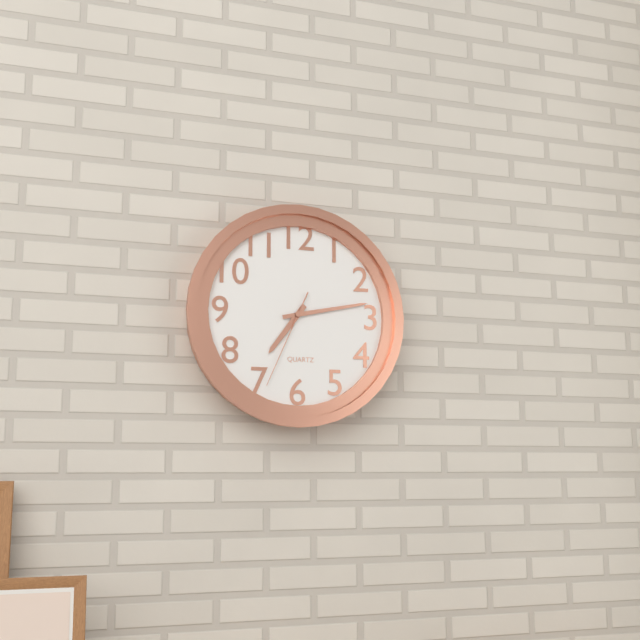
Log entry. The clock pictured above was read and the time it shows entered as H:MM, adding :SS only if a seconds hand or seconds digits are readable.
7:13:34
